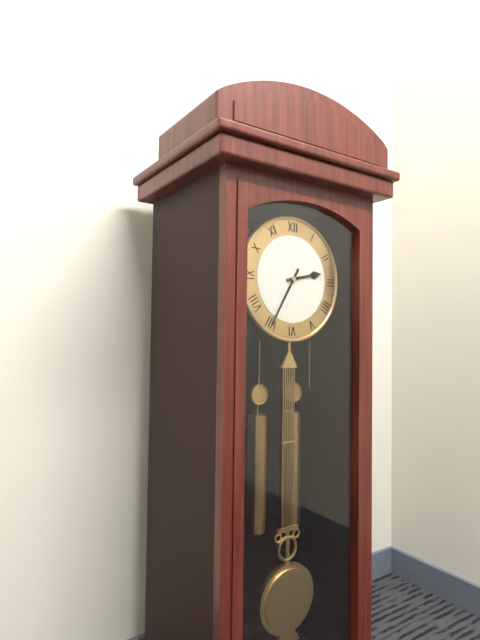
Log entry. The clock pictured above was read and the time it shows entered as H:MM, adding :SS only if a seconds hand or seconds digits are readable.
2:35
